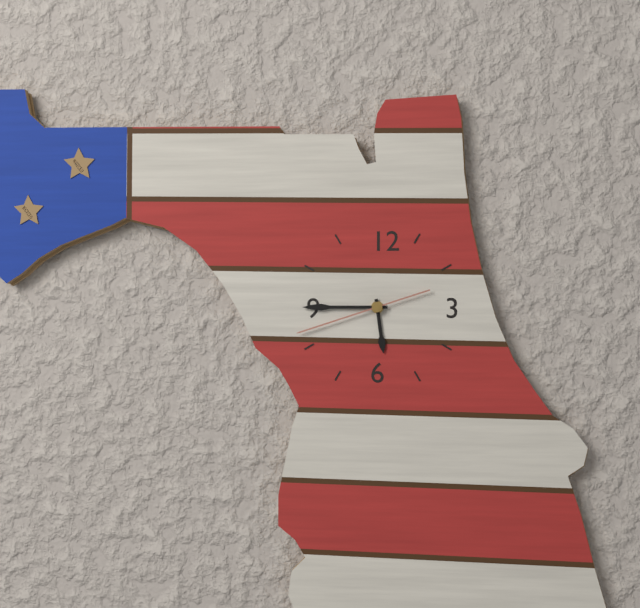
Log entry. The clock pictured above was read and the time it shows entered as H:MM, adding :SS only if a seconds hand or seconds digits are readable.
5:45:42
